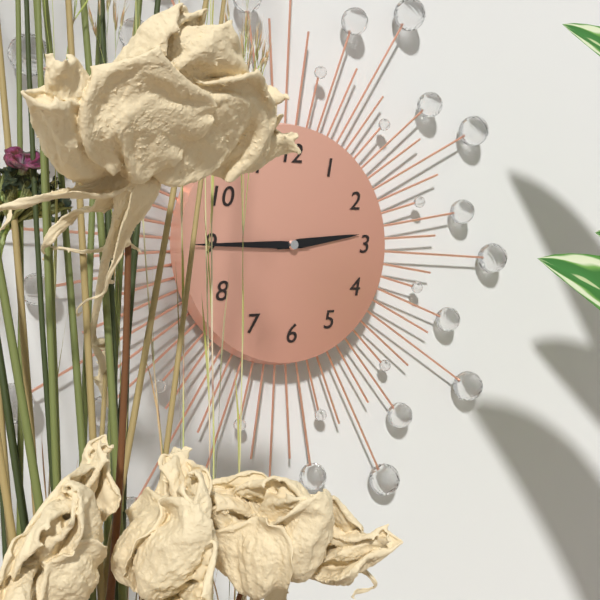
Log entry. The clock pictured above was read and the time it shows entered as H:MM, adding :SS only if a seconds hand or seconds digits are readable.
2:45
